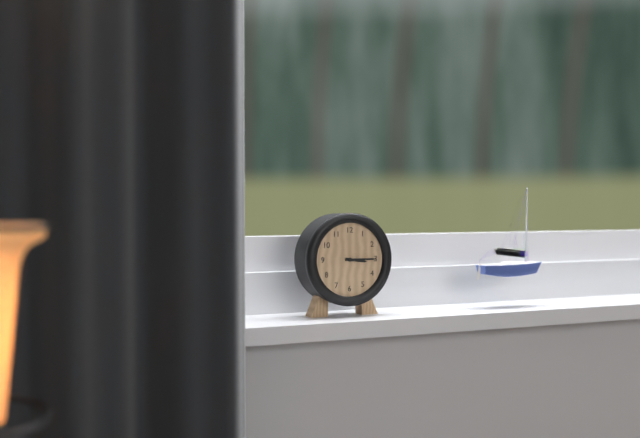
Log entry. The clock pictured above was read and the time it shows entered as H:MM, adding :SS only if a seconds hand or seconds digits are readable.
3:15
